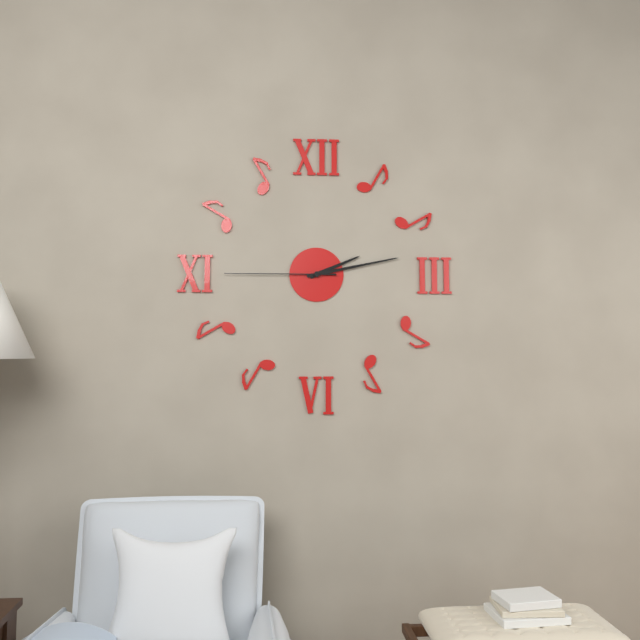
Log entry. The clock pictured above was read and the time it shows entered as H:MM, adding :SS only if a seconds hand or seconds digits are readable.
2:13:45
